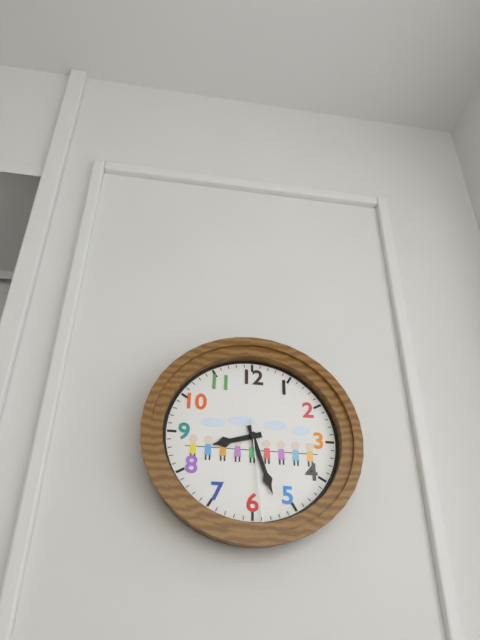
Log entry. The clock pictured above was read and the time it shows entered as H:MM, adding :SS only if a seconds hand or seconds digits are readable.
8:27:29
